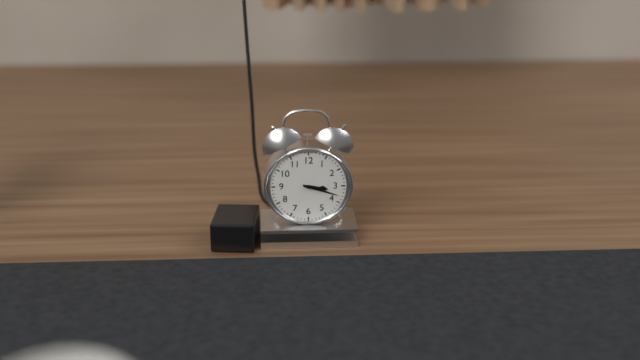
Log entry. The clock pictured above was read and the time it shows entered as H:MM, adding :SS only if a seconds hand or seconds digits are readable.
3:18
